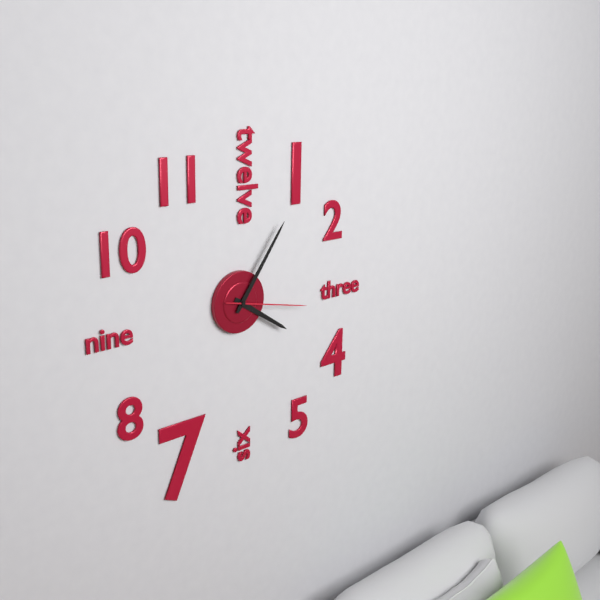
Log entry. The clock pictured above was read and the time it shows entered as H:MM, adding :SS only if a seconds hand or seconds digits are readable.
4:06:17
